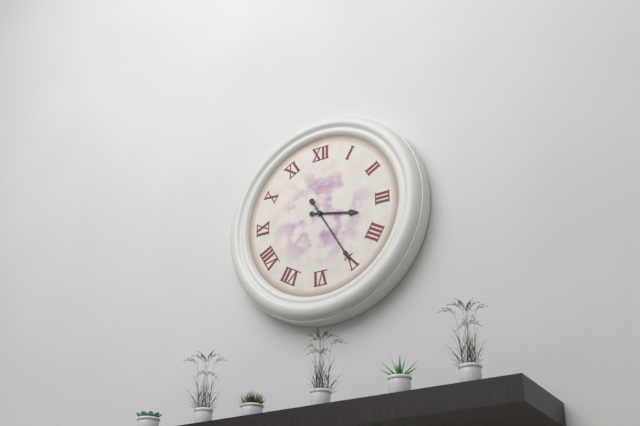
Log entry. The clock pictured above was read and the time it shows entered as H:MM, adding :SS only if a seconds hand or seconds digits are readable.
3:25
